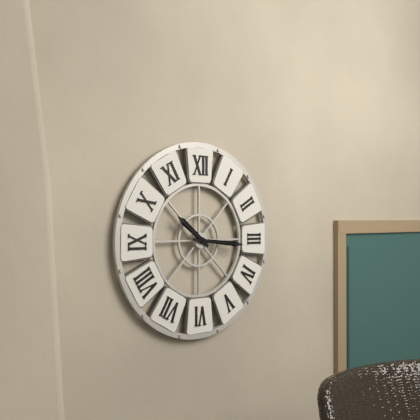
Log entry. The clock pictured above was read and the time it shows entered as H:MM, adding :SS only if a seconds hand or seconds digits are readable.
10:16
